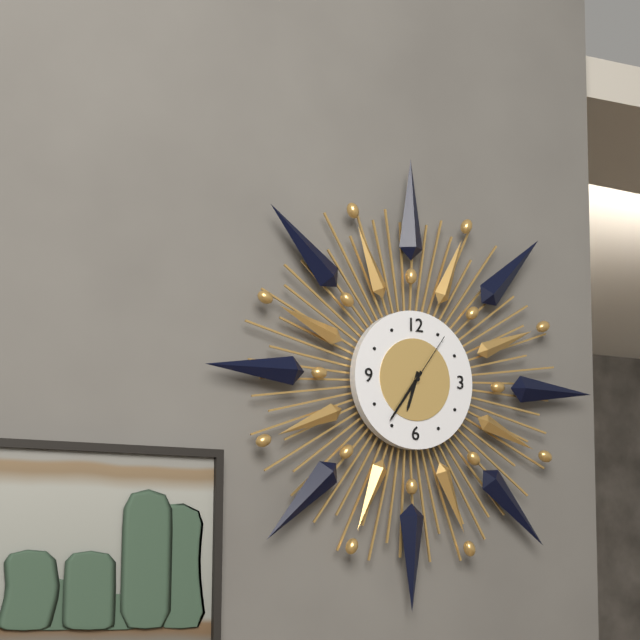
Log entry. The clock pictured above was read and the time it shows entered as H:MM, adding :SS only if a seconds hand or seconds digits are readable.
6:36:06
